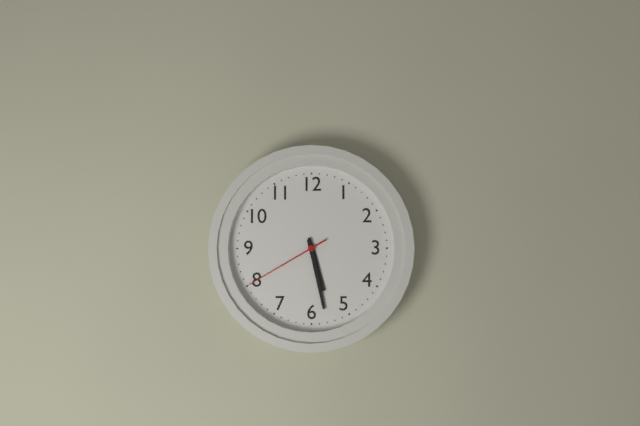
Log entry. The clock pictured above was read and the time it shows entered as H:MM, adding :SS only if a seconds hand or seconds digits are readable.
5:28:40
